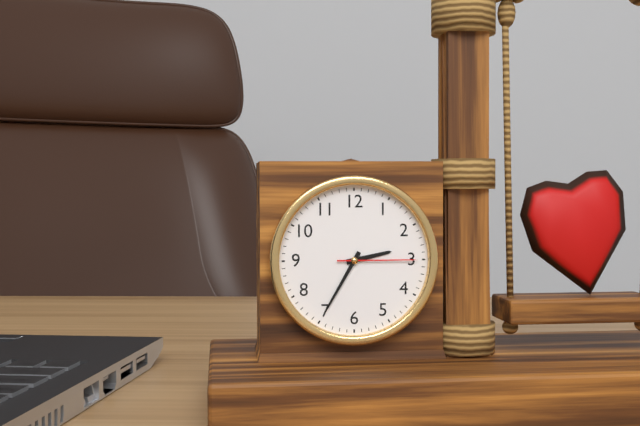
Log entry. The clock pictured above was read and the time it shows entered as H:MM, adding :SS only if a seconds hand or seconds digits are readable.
2:35:15
